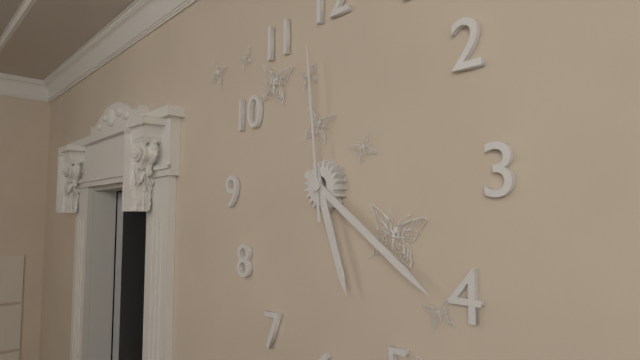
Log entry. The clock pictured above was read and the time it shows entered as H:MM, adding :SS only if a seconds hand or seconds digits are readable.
5:21:59
